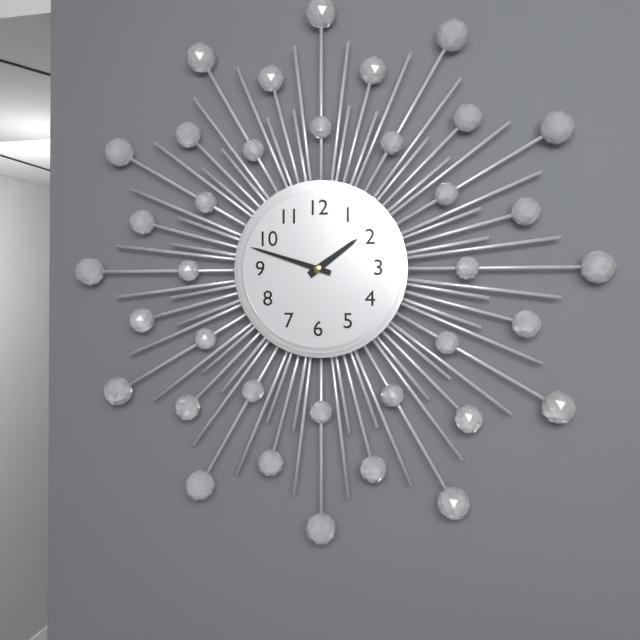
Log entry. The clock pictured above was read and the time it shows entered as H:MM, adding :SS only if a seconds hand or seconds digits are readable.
1:48
